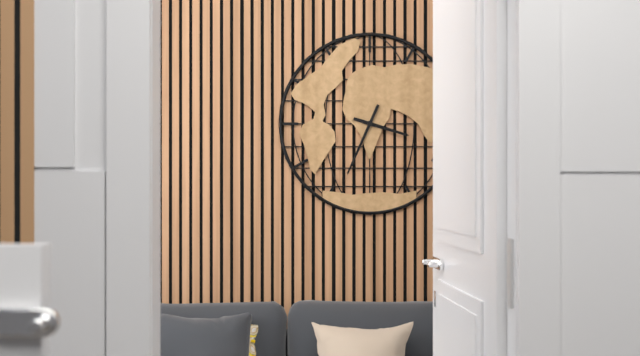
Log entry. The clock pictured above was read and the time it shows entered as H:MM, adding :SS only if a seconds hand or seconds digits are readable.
3:34
